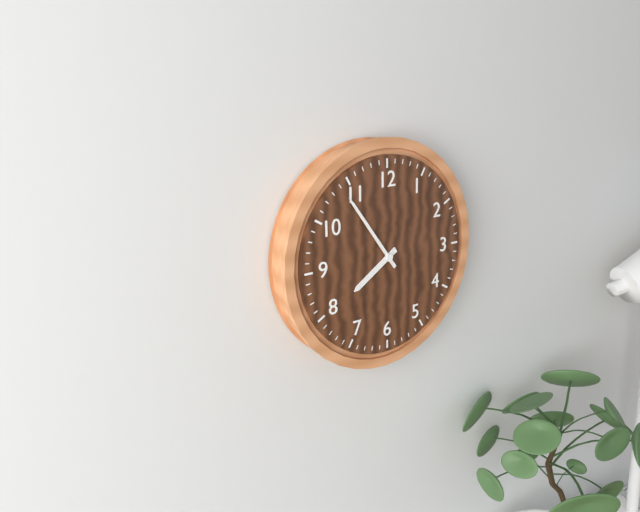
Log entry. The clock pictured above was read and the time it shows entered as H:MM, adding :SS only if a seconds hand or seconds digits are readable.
7:54
